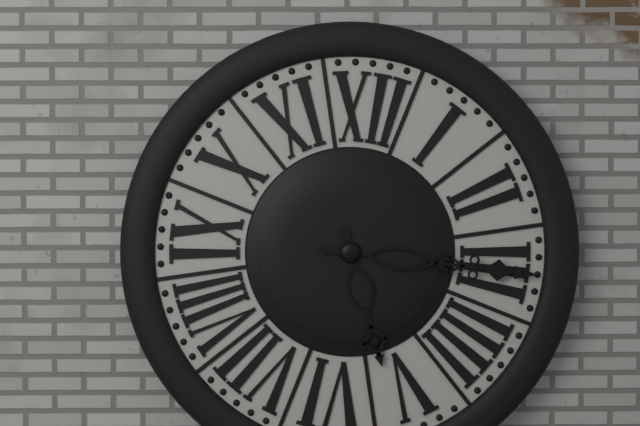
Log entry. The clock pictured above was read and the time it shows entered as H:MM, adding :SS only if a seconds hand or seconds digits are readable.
5:15
